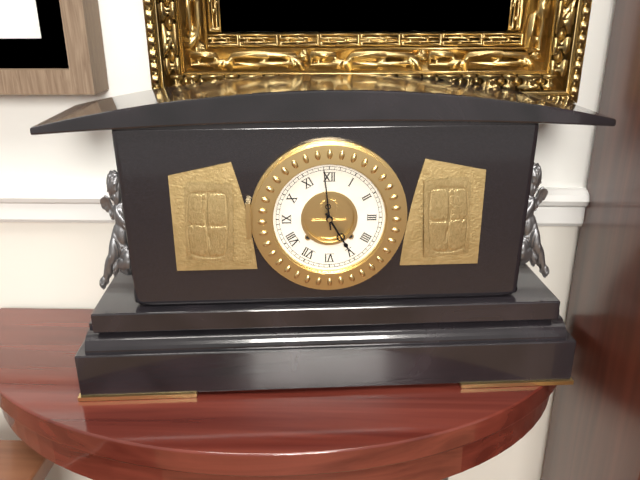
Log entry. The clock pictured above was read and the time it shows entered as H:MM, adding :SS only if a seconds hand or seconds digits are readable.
4:59
